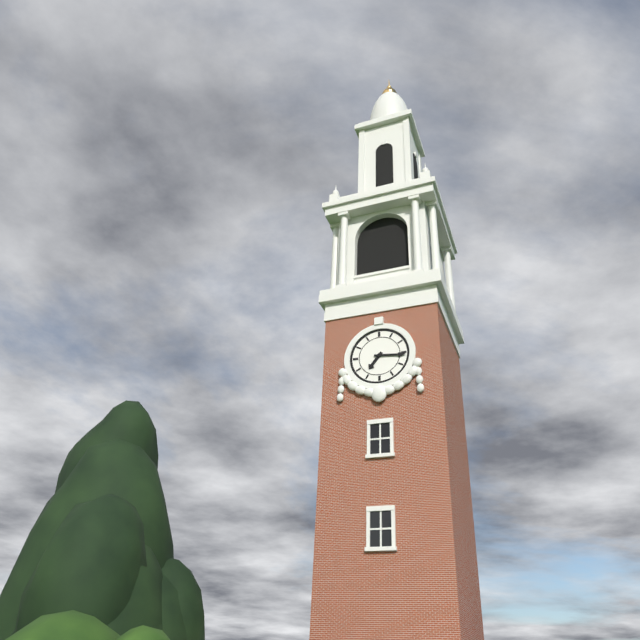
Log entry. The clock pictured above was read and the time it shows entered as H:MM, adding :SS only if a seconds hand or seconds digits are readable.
7:16
